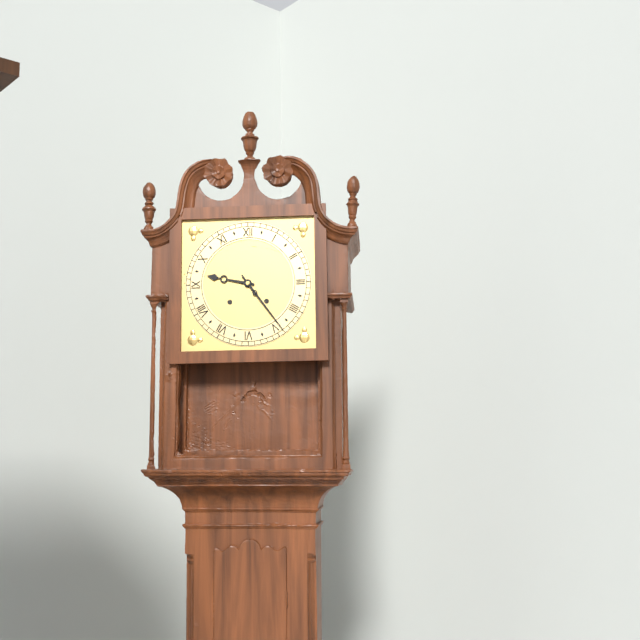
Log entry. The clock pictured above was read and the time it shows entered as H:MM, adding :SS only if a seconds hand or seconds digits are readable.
9:24
